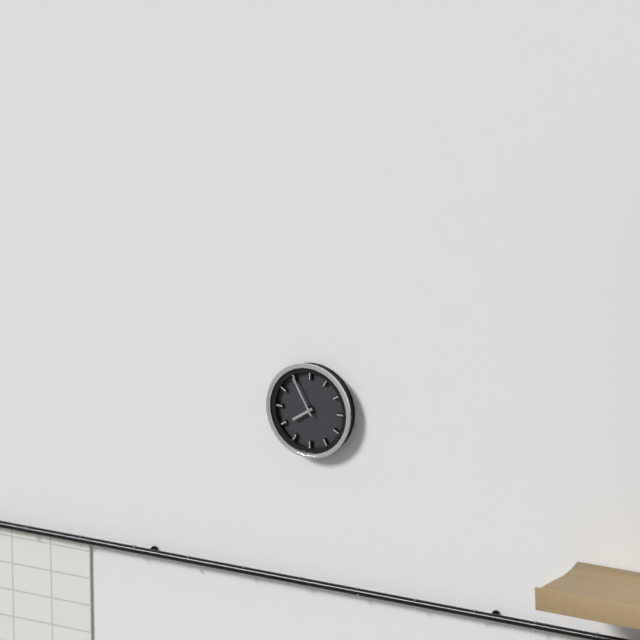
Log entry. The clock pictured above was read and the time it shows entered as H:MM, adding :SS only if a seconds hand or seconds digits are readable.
7:55
